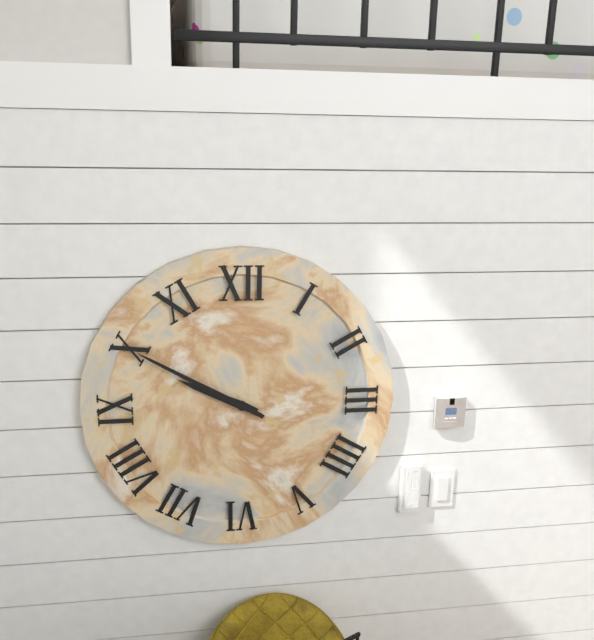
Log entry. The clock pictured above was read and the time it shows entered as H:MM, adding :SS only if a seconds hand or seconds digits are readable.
9:50
